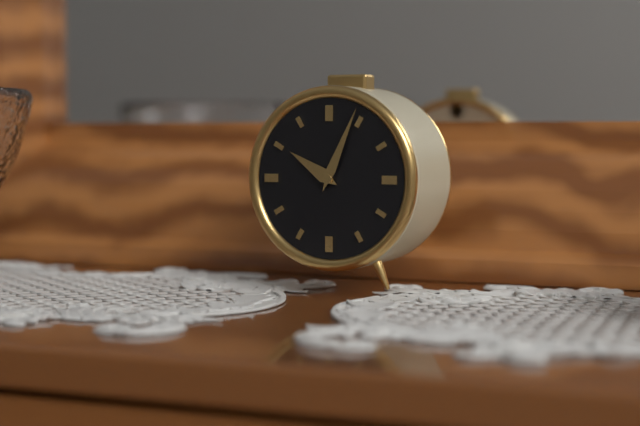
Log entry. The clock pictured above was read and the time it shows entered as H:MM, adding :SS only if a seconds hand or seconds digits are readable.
10:04
